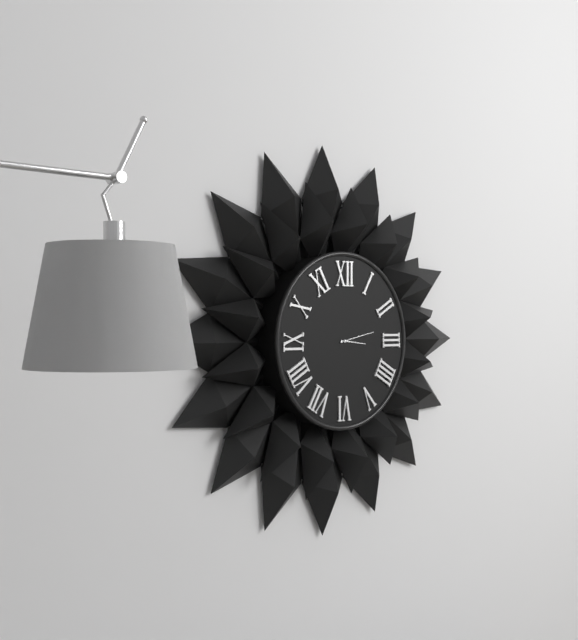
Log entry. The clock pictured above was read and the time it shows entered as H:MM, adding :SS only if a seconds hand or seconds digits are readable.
3:13
